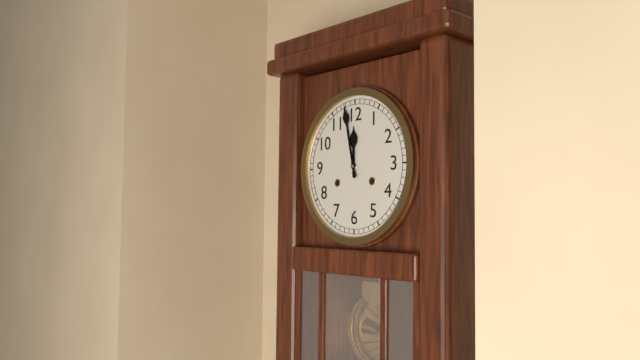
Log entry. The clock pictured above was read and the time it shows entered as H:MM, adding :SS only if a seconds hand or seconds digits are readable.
11:58
